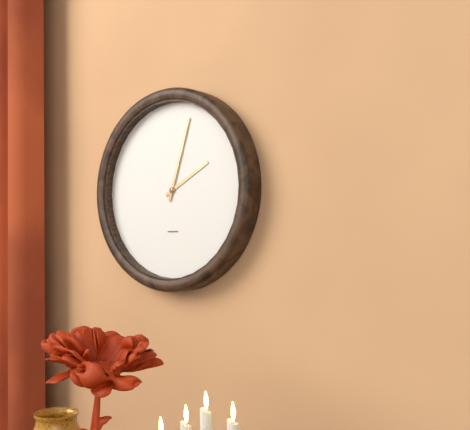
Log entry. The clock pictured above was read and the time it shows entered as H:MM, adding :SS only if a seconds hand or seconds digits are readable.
2:03
